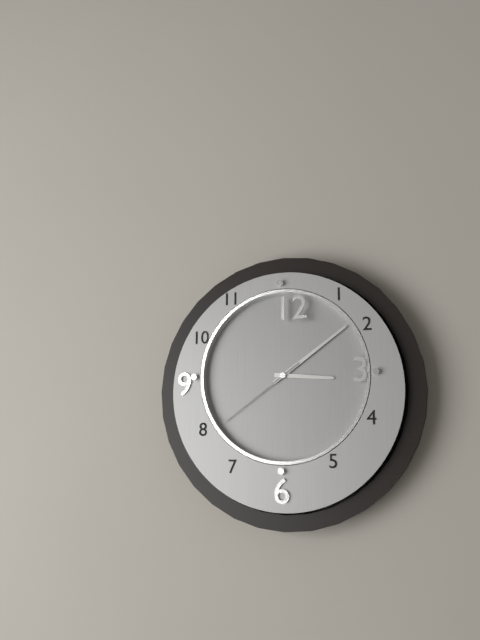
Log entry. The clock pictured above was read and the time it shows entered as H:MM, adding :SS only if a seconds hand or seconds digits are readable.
3:09:39
